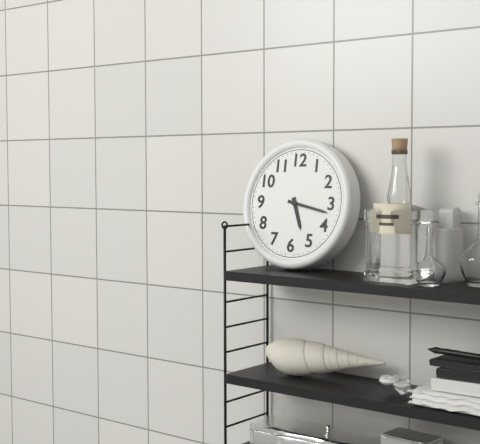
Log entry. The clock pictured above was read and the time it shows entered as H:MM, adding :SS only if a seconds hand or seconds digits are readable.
5:17
